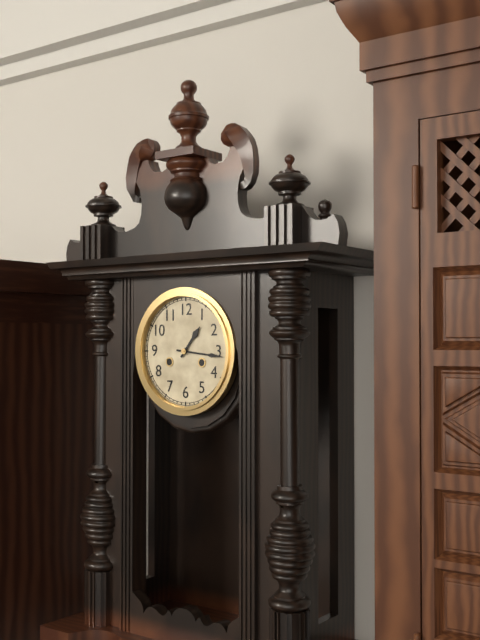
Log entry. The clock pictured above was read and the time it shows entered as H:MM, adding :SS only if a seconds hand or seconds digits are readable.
1:16
